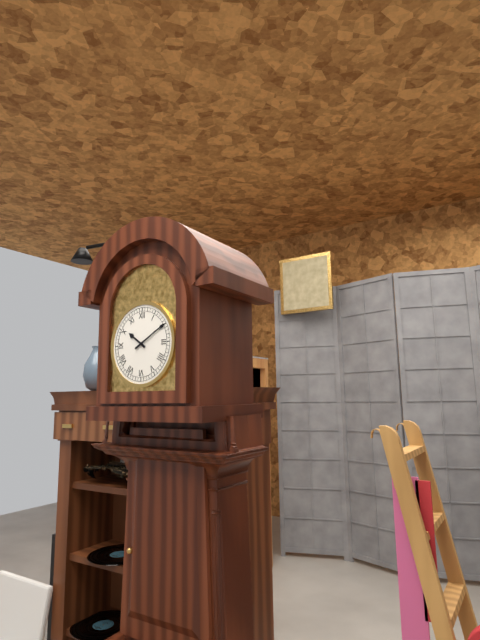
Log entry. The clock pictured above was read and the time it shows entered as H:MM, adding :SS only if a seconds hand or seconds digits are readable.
10:10
